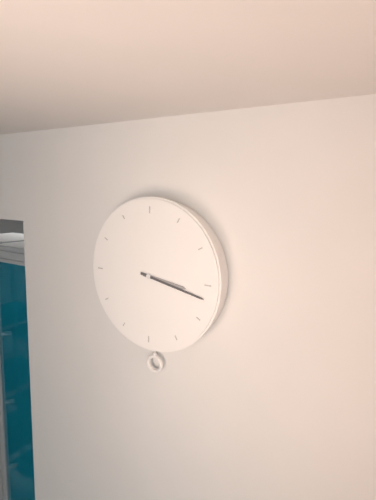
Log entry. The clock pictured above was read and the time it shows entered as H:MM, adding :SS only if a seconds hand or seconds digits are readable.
3:17
